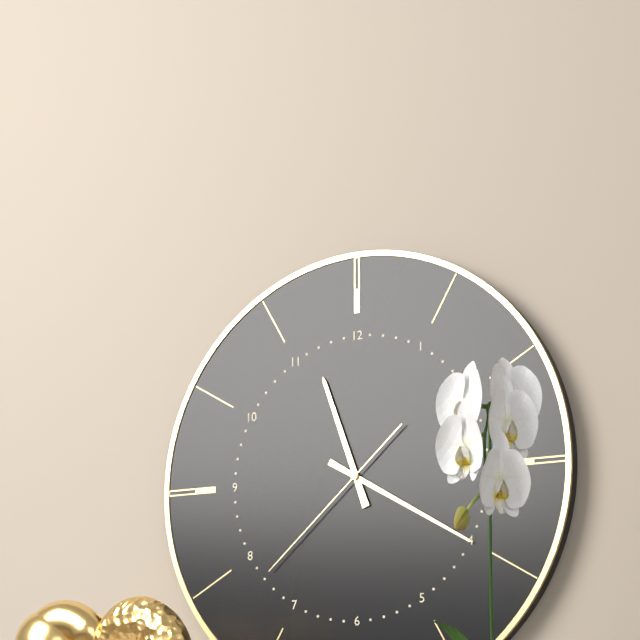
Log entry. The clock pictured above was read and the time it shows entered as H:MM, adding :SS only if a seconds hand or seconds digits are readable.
11:20:38
